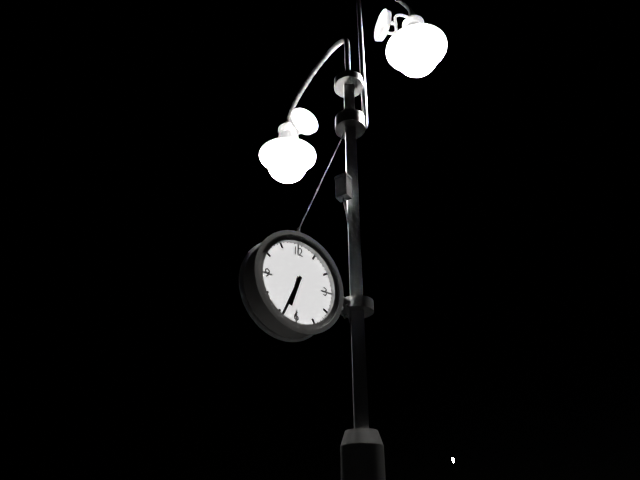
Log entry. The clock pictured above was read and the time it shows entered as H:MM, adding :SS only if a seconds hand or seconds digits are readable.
6:34
